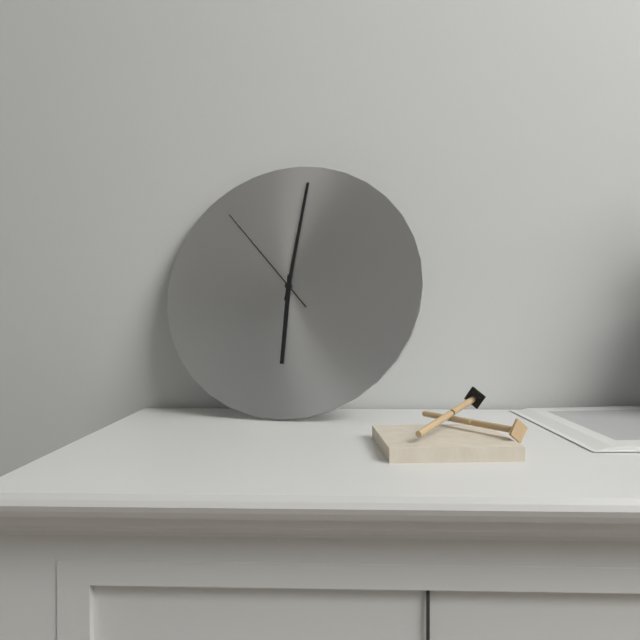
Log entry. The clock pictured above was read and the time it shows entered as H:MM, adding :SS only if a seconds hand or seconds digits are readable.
6:01:53
